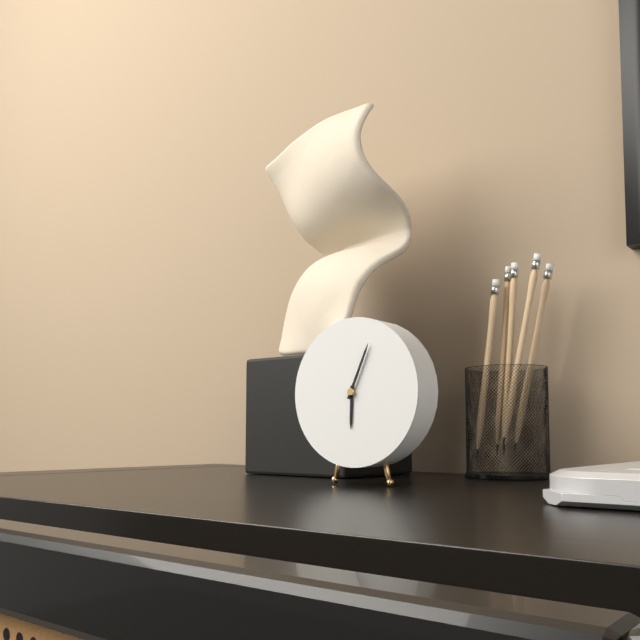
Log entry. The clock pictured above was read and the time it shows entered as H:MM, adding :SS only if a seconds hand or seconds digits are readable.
6:04
